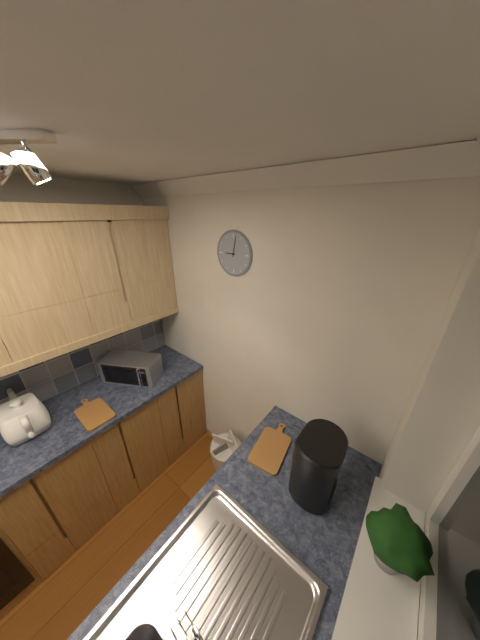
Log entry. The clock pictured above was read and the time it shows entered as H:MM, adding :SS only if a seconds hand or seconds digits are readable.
9:02
